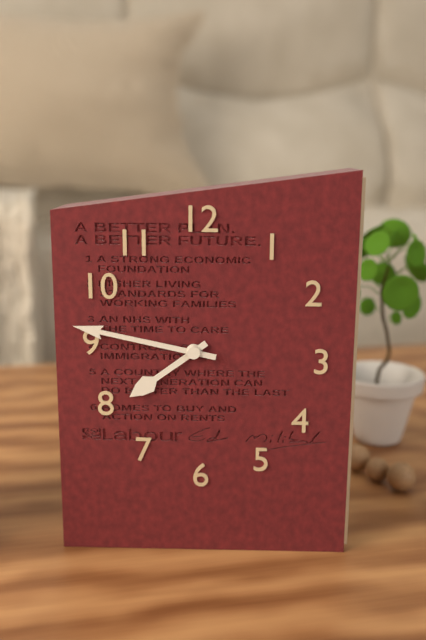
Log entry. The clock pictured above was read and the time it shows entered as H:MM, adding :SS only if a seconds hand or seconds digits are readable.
7:47
